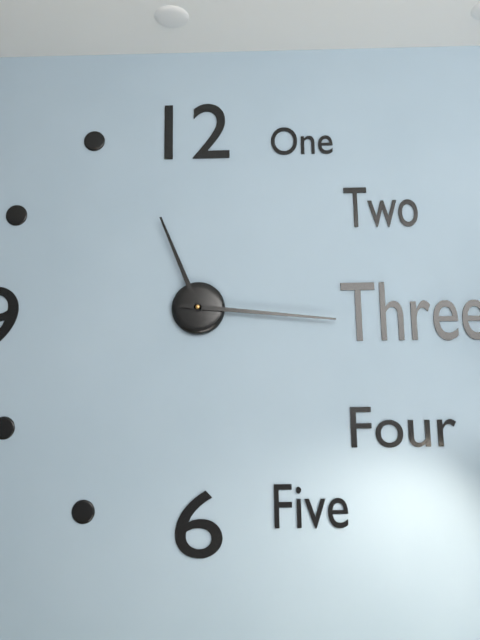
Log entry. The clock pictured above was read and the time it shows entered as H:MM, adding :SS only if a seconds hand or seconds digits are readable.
11:16
